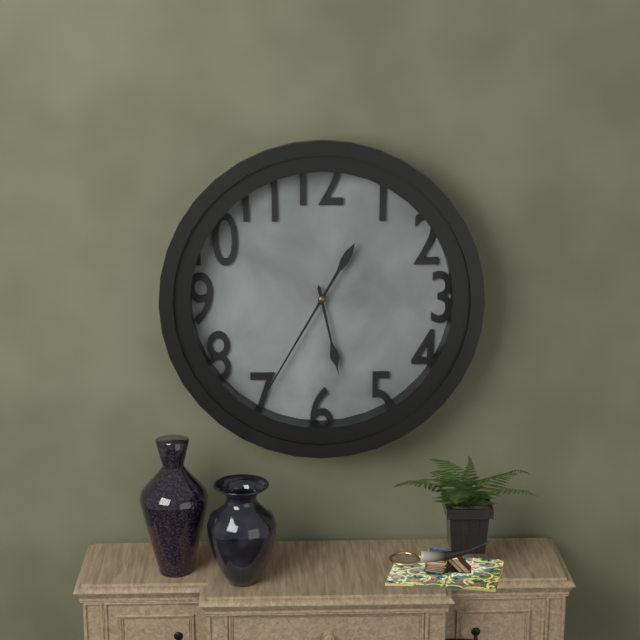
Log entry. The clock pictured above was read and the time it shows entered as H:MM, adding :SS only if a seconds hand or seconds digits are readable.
5:35
